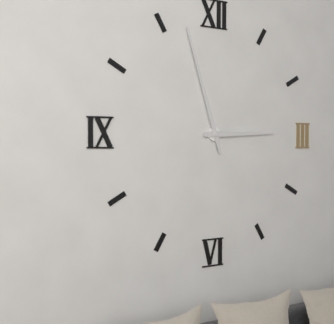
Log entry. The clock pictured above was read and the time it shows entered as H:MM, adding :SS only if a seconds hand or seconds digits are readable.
2:57
